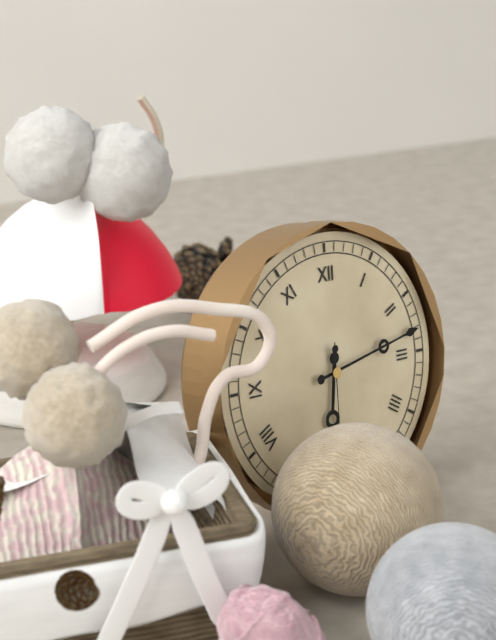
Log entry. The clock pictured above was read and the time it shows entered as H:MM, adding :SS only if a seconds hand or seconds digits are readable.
6:13
